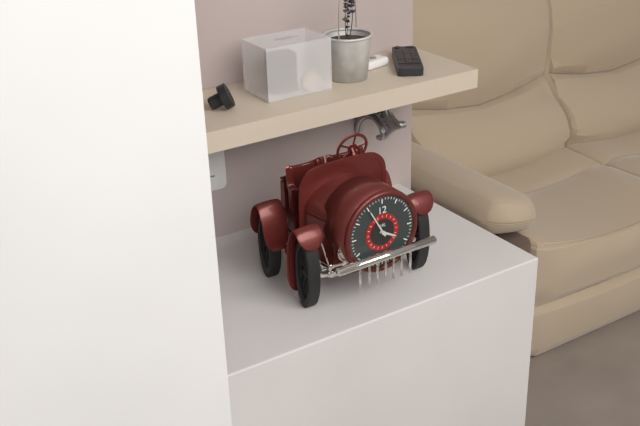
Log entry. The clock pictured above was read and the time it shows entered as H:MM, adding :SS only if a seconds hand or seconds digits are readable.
3:55
